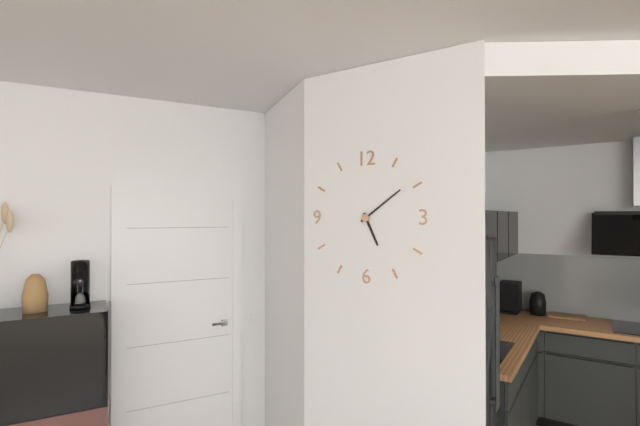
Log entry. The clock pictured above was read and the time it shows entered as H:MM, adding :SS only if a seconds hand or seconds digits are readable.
5:09
